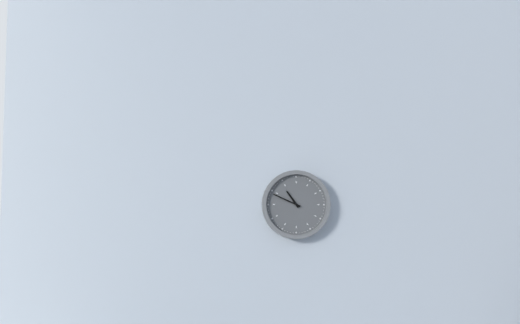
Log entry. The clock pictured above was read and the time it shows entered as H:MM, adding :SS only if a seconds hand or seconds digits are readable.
10:49
